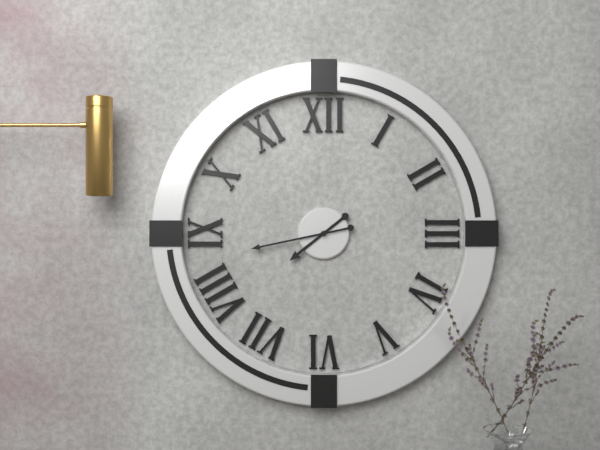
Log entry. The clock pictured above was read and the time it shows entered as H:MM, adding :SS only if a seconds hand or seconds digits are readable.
7:43
